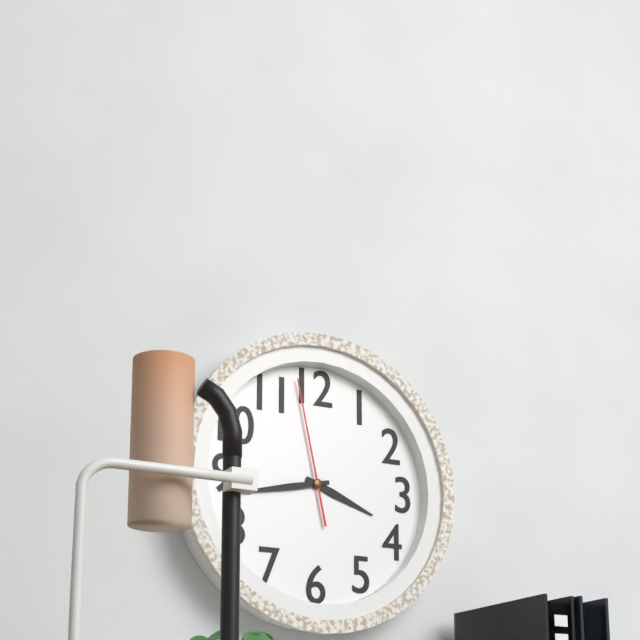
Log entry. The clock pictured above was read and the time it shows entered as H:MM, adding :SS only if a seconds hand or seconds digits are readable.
3:43:58
